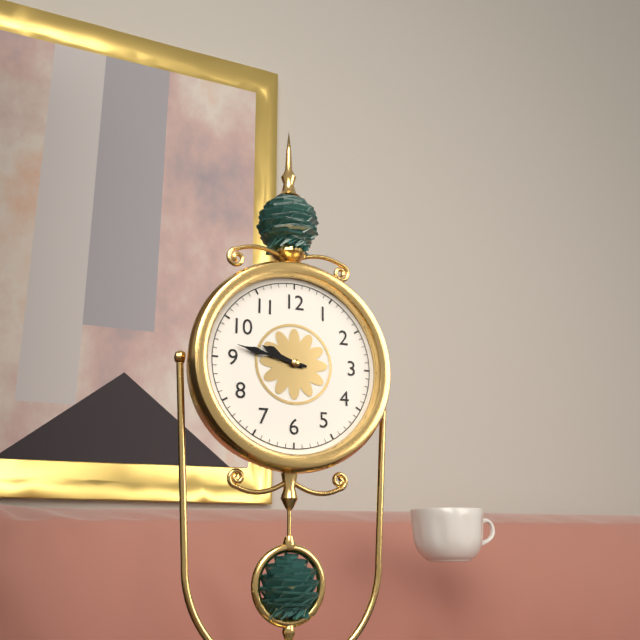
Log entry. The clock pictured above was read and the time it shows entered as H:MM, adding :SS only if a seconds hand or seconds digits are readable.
9:47
